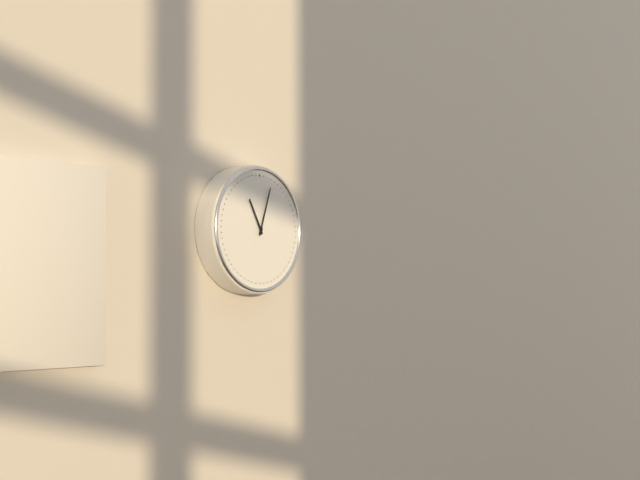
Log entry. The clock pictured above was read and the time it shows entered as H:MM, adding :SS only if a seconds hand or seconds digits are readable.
11:03
